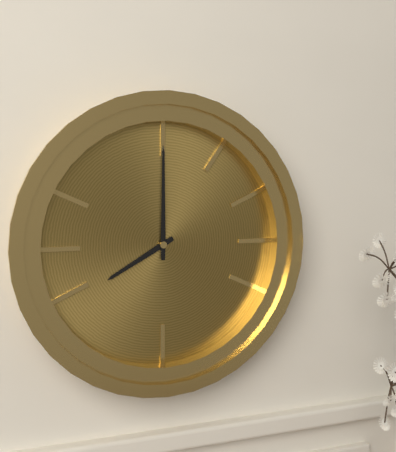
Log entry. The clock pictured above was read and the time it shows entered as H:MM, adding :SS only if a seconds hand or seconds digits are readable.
8:00
